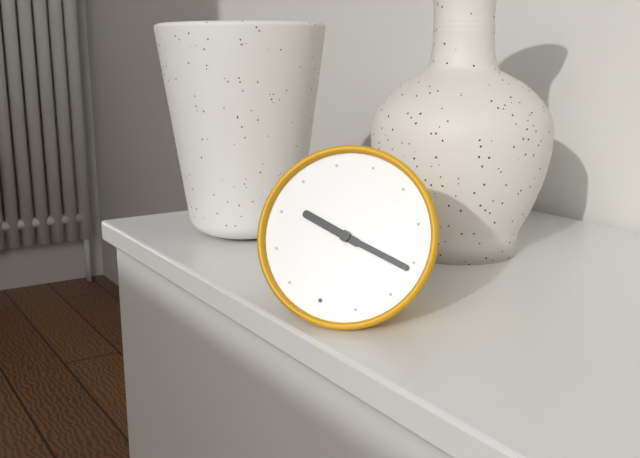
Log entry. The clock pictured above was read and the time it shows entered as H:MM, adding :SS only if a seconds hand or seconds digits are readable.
9:16
